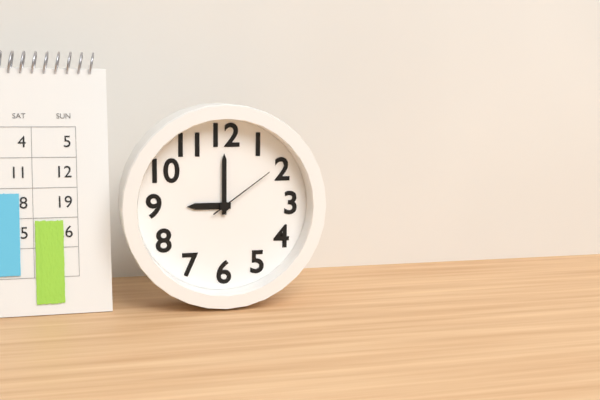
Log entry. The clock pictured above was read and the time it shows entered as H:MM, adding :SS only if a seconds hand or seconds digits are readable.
9:00:09
